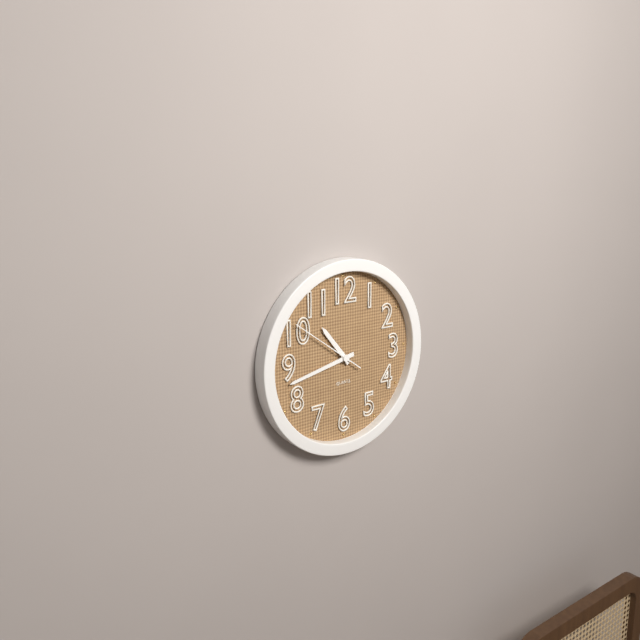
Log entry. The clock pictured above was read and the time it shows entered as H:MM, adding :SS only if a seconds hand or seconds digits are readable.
10:43:51
